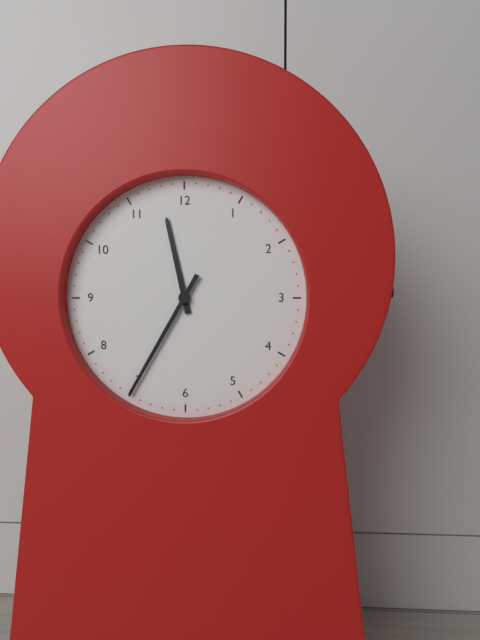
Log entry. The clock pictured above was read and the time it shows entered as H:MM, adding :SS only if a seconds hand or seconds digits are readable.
11:35
